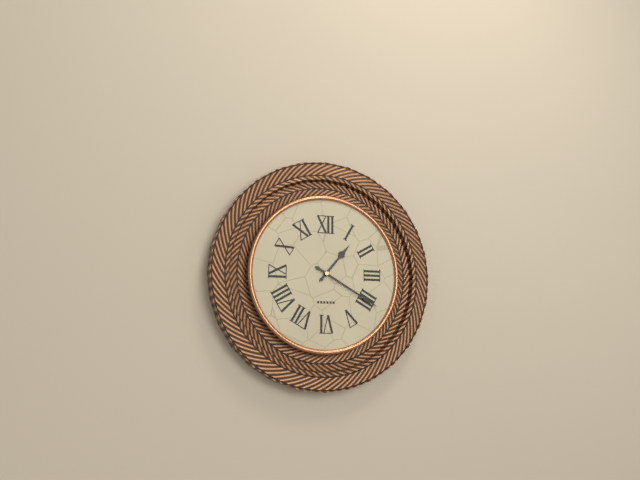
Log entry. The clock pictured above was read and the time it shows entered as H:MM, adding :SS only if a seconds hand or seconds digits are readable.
1:20
